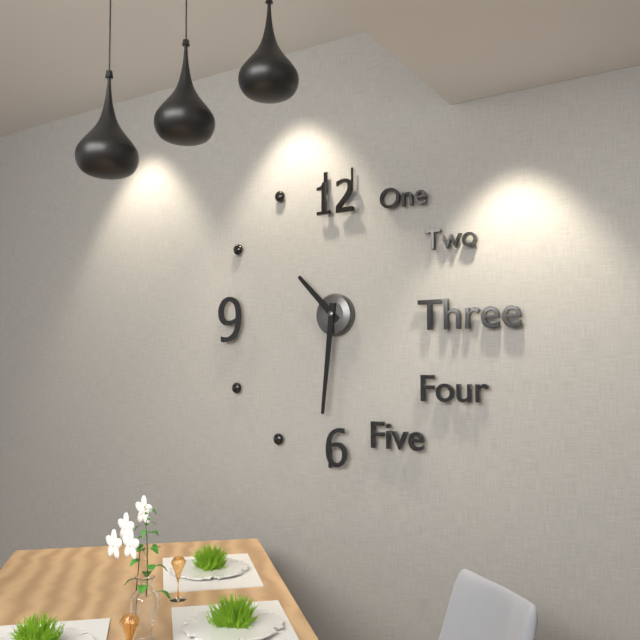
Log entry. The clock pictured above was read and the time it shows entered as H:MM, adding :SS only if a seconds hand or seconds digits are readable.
10:31
